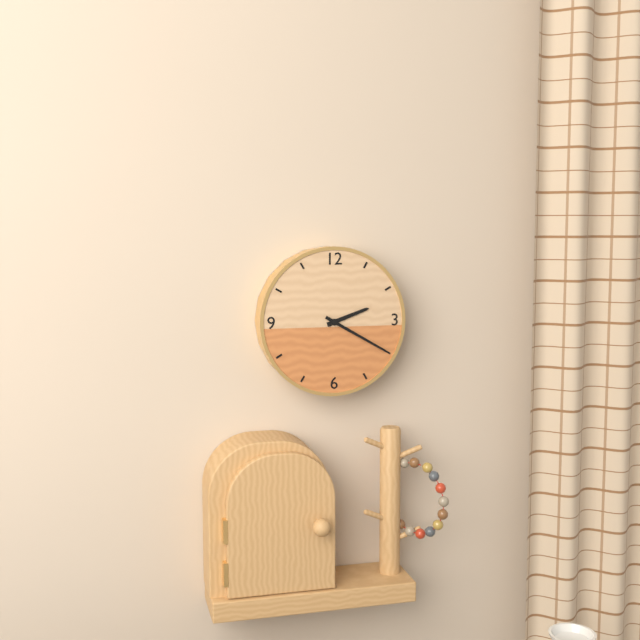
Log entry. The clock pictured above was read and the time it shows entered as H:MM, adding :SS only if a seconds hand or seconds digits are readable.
2:20
